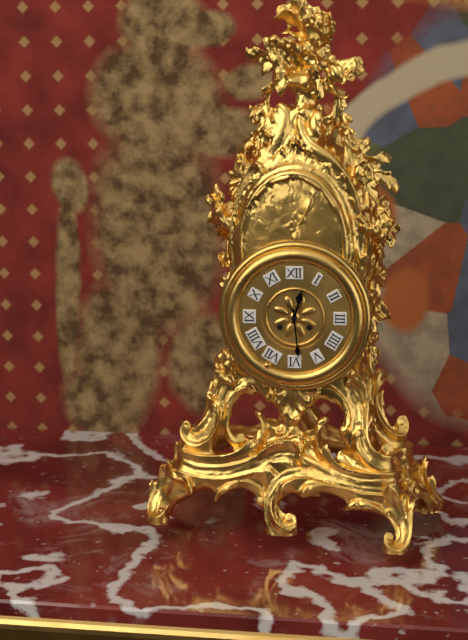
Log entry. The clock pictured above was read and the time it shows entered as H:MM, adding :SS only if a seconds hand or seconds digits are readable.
12:29
